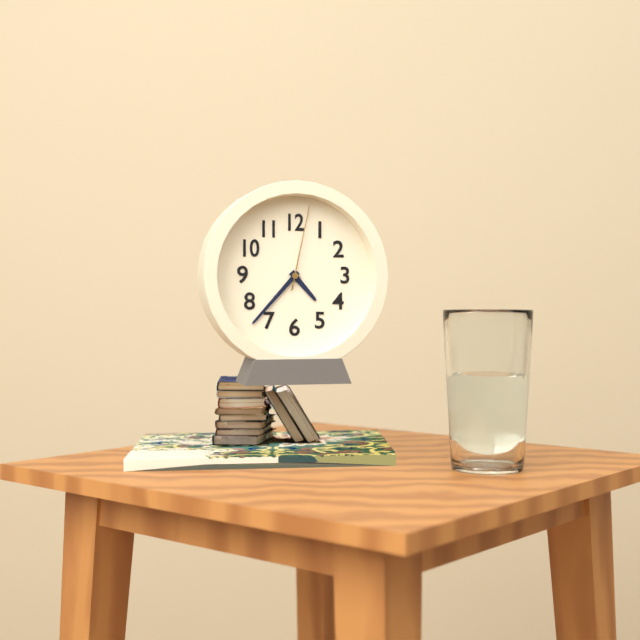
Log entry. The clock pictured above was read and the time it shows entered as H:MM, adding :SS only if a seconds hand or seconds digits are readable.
4:37:02
